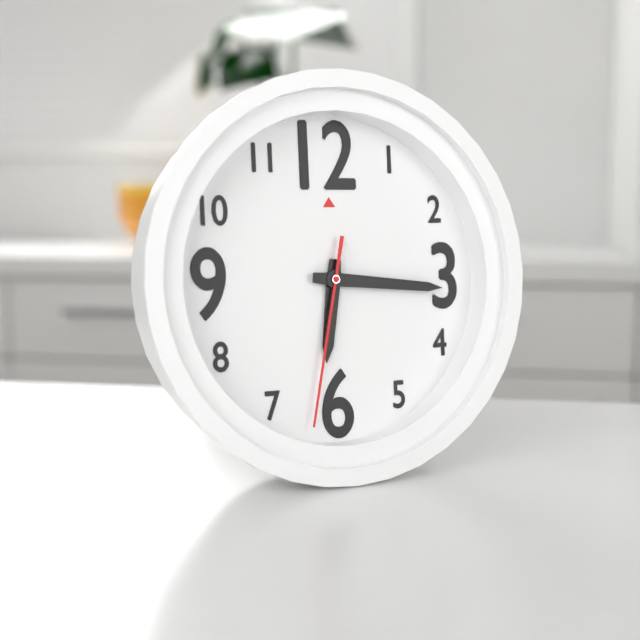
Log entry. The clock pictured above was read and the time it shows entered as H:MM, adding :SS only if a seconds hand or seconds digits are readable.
6:16:32
